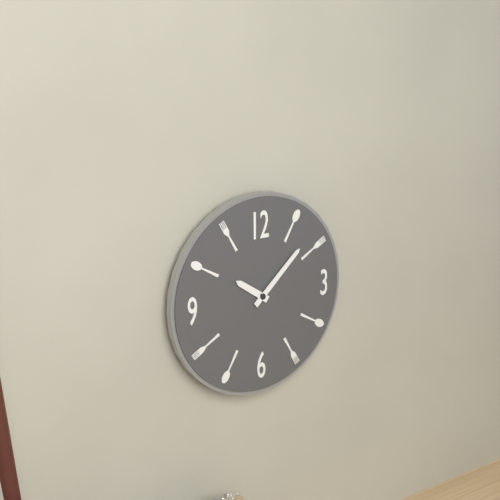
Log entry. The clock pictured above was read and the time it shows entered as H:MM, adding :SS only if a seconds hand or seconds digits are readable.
10:08
